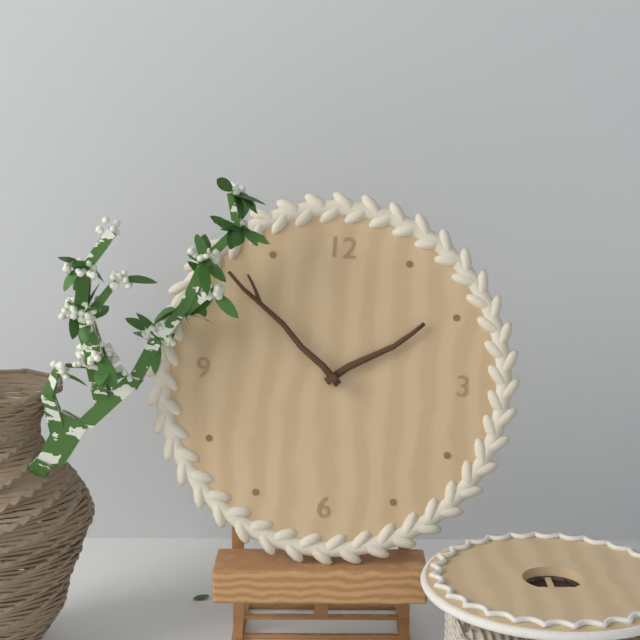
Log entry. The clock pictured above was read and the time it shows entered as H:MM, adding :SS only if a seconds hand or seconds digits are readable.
1:52
